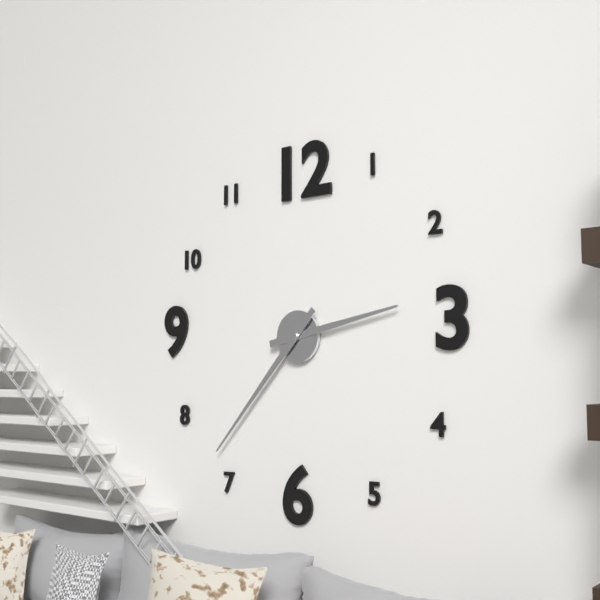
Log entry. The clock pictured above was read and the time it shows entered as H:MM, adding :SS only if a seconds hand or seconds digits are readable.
2:37
